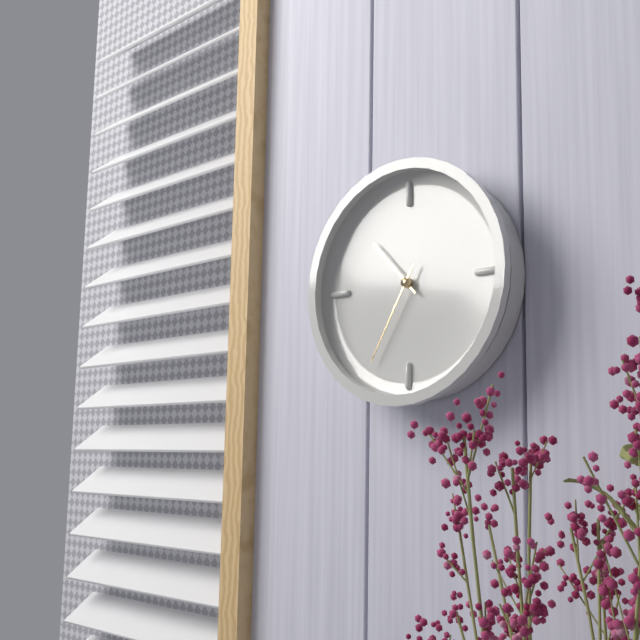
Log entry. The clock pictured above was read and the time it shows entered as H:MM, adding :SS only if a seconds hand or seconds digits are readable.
10:35
